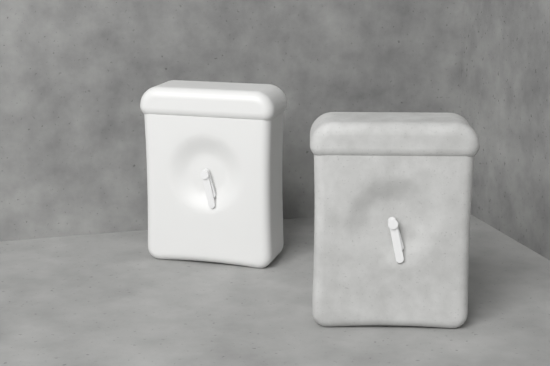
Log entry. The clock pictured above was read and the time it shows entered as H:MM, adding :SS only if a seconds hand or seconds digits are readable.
5:28
